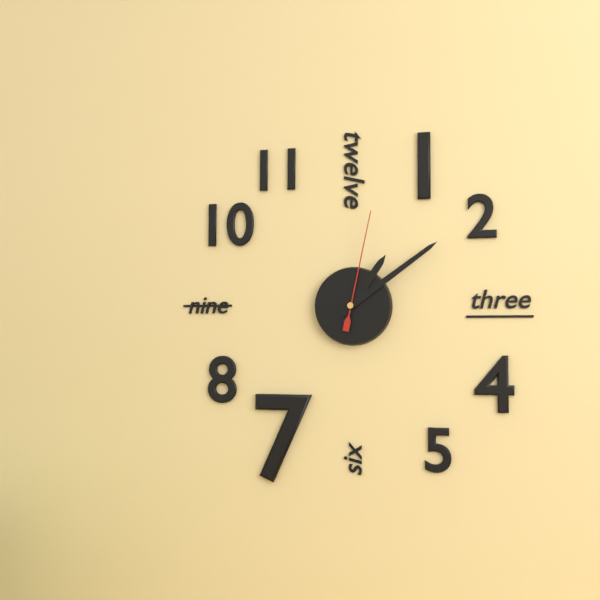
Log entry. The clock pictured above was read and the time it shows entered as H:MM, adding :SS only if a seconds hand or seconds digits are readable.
1:09:02
